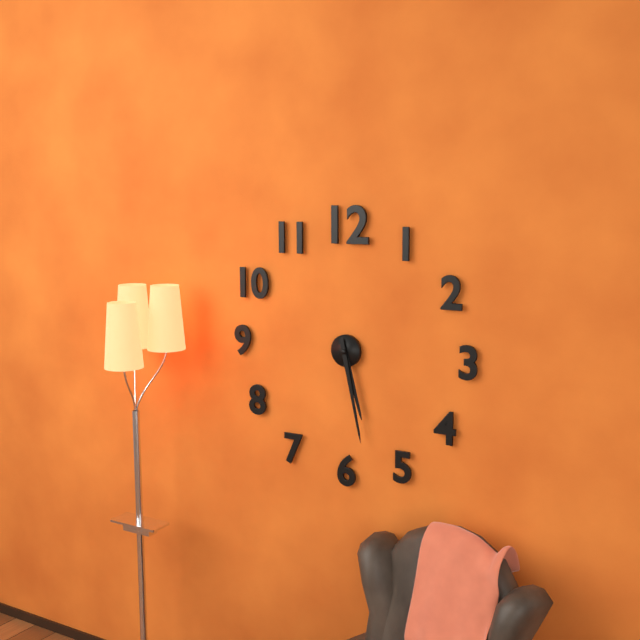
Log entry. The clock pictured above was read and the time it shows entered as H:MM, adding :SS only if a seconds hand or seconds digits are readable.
5:28
